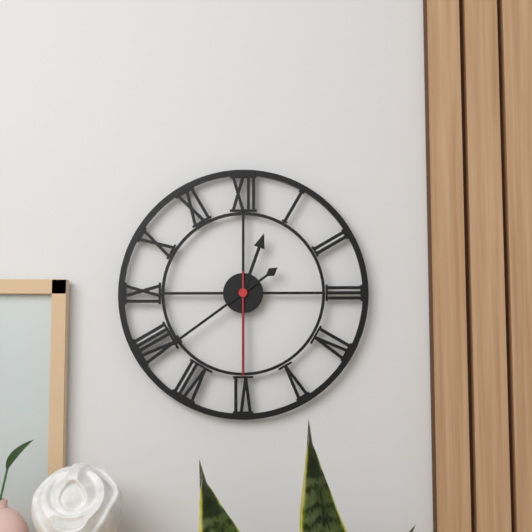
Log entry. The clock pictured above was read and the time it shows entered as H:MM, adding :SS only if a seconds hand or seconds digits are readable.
12:39:30
